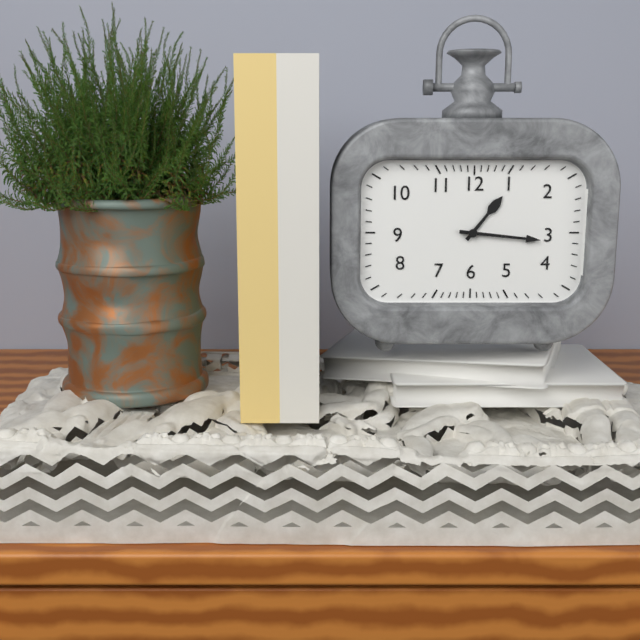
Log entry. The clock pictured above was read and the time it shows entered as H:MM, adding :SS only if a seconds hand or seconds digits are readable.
1:16
